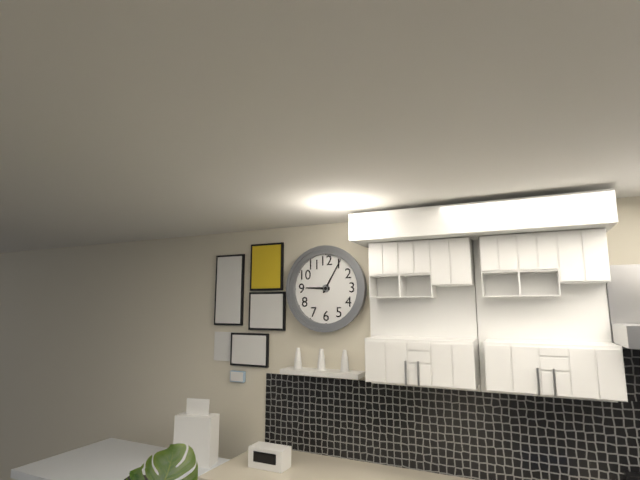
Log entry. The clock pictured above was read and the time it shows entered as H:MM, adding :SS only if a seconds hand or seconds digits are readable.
9:05
